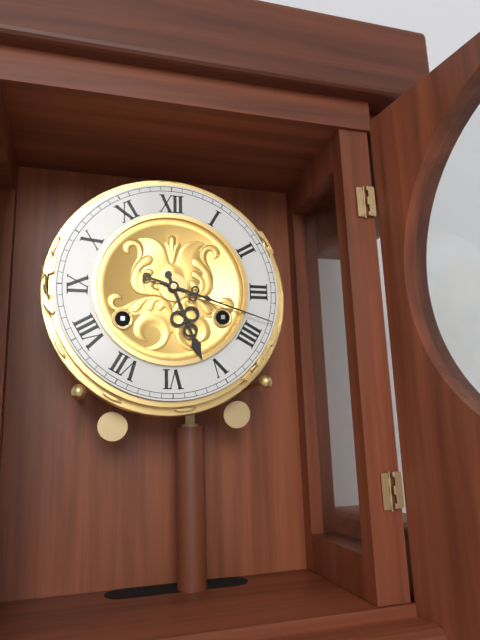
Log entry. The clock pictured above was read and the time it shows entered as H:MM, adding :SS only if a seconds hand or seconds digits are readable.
5:18
